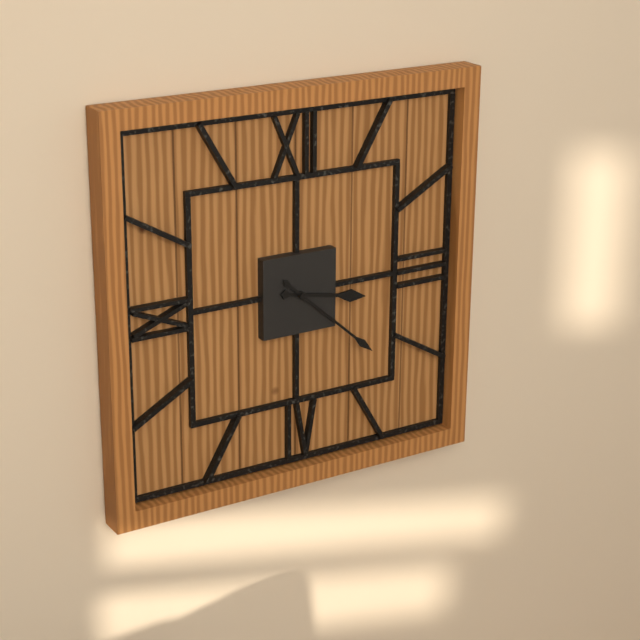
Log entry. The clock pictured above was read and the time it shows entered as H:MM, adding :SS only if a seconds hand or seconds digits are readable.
3:22
